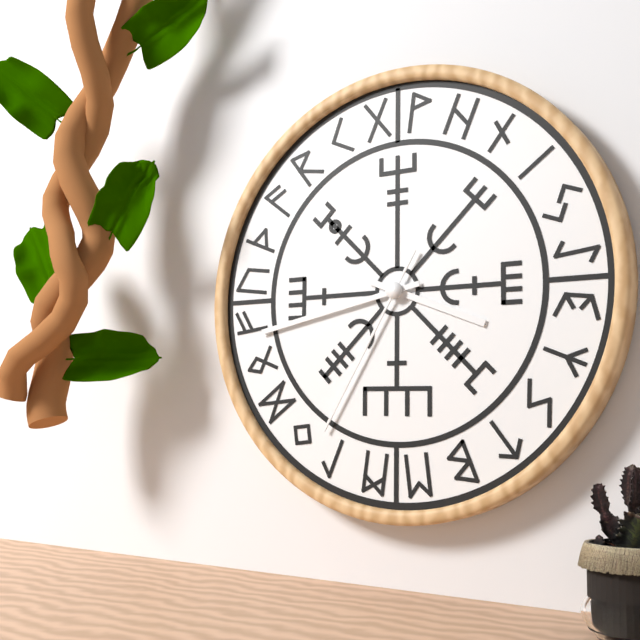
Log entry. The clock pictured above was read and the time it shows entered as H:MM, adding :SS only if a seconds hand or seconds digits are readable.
3:43:35
